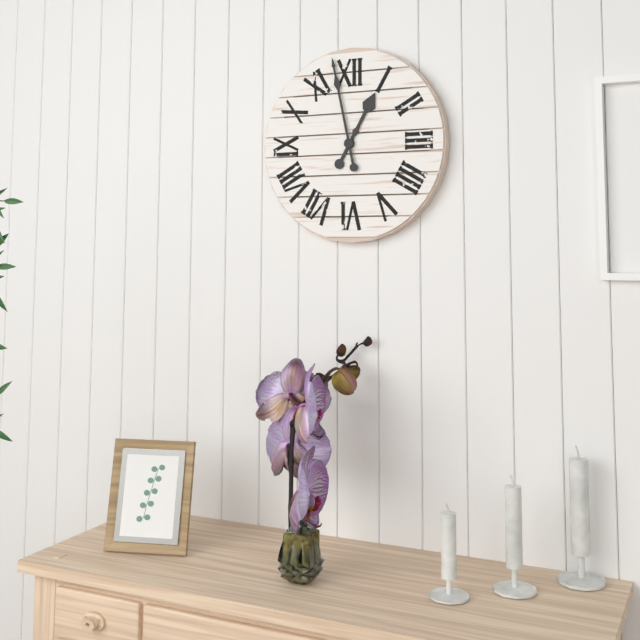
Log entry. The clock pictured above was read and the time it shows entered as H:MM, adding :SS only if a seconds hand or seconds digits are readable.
12:58
